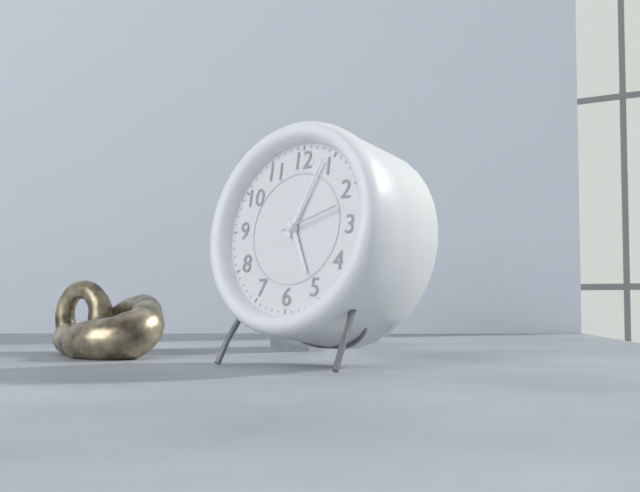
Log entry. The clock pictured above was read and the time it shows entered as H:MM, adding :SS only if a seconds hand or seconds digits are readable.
5:04:12
